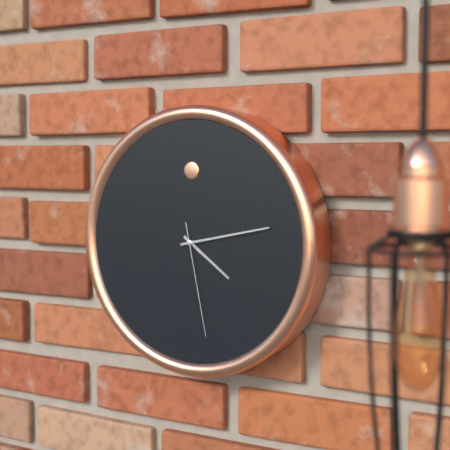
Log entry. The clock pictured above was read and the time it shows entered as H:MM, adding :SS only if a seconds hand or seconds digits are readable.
4:13:28
